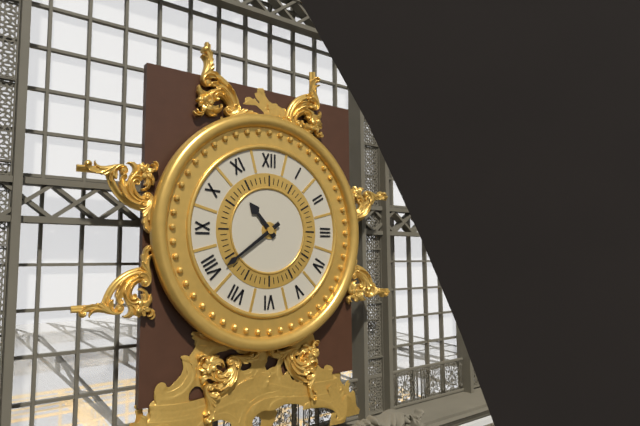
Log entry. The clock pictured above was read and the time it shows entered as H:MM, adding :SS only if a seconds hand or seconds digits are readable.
10:39
